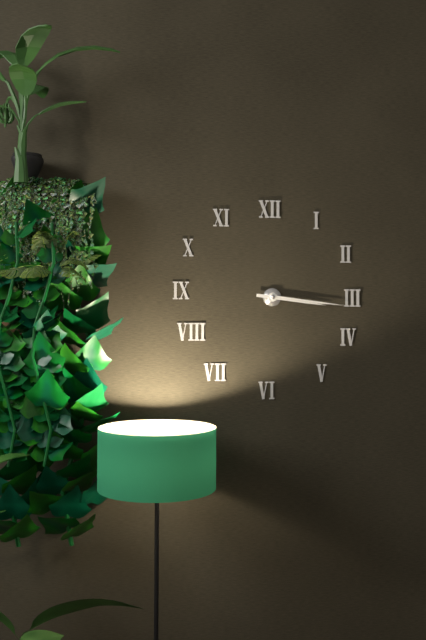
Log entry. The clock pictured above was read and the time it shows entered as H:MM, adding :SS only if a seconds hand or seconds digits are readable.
3:16
